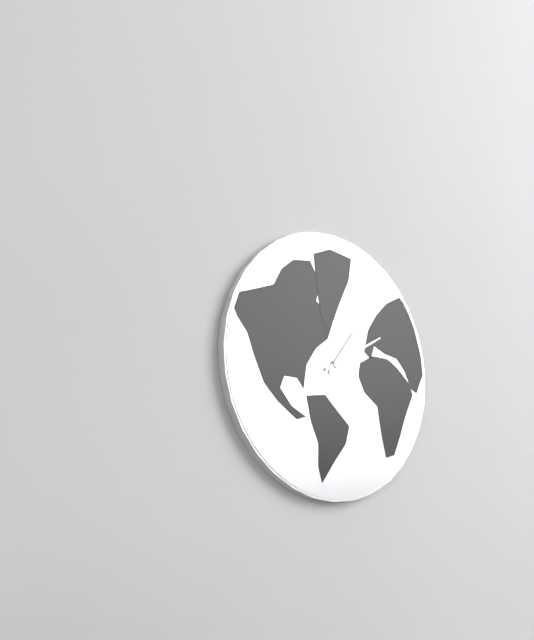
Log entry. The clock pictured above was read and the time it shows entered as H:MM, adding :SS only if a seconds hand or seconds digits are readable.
1:10
